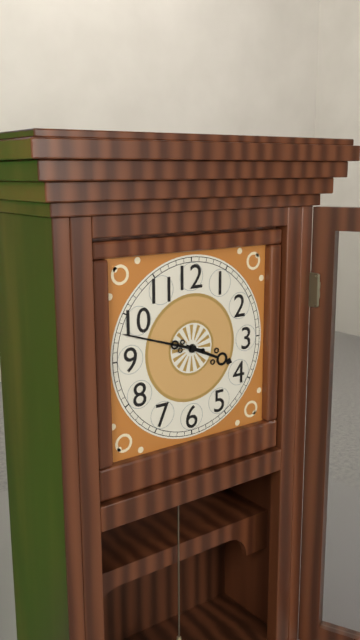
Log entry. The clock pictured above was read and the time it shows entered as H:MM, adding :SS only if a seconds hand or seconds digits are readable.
3:48
